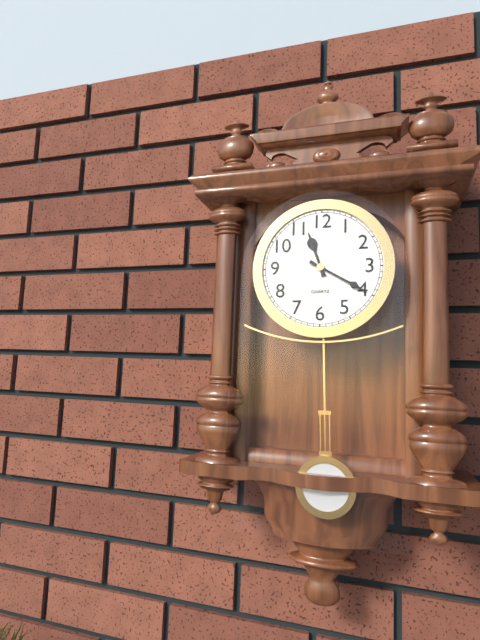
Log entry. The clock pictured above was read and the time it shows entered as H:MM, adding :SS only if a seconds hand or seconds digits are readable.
11:20
